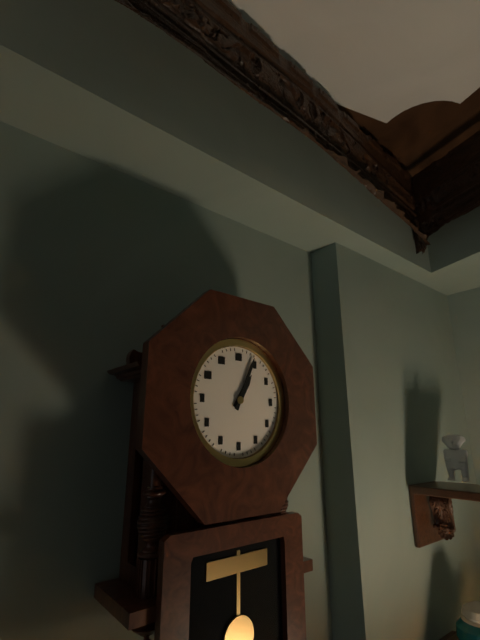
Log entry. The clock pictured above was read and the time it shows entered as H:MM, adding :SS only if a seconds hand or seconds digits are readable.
1:04
